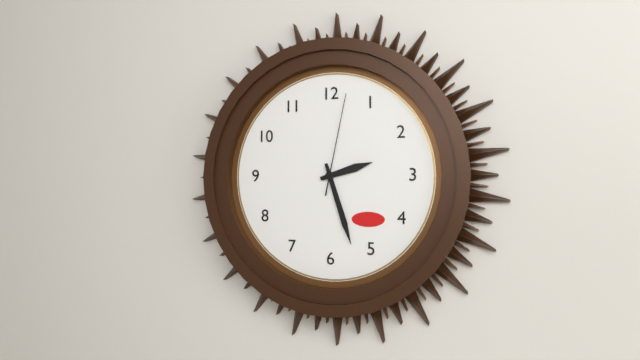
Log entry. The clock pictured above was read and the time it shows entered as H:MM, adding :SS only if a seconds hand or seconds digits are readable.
2:27:02
